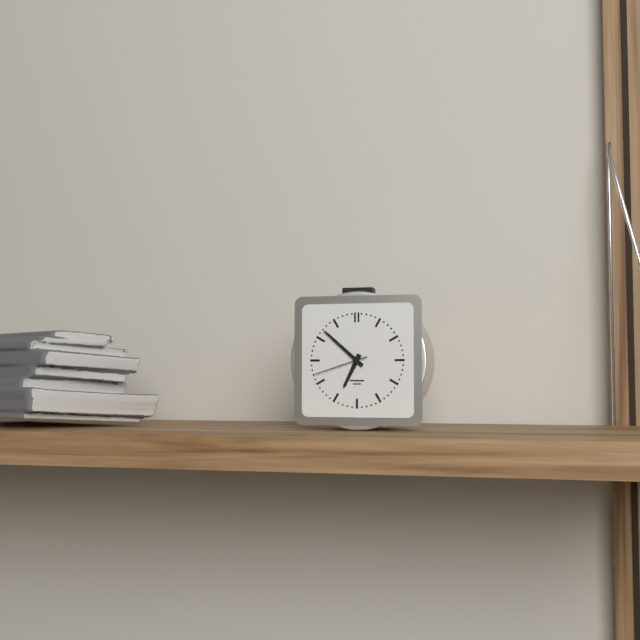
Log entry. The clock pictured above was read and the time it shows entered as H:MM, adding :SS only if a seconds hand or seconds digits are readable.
6:52:42
